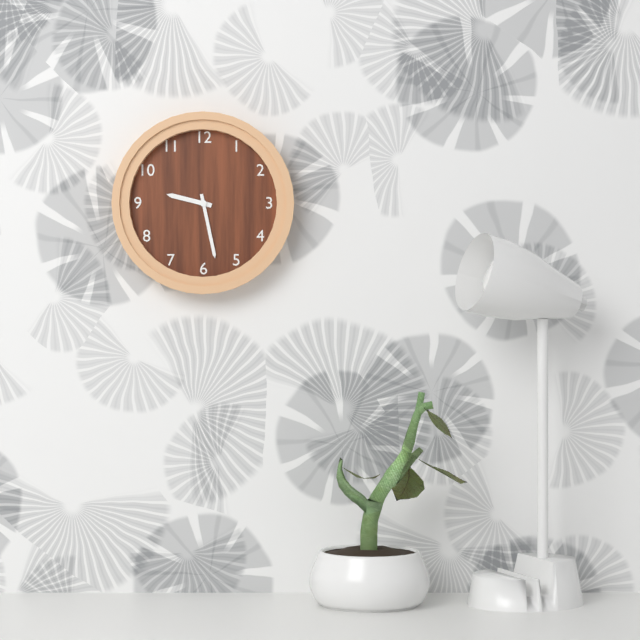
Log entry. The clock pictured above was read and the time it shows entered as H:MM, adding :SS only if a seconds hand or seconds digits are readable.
9:28
